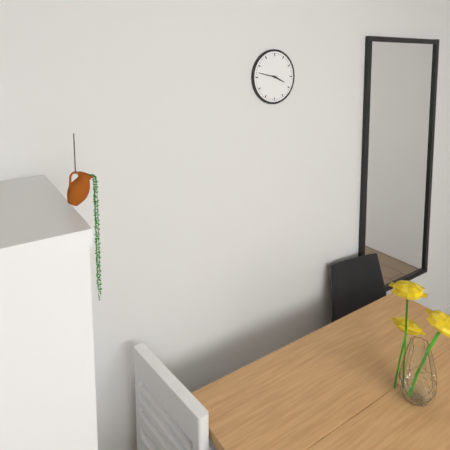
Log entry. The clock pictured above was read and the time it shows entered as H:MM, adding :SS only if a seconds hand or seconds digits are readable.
3:47
